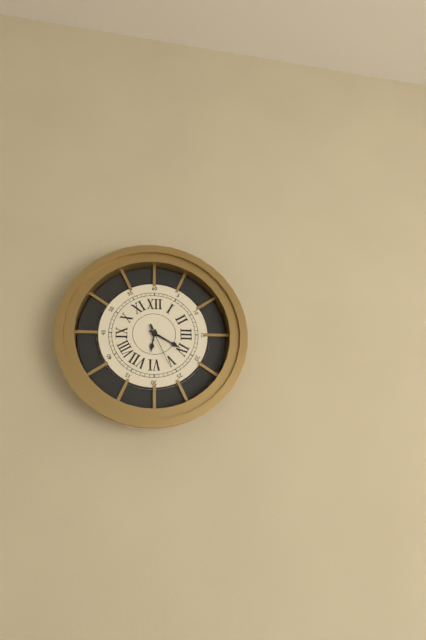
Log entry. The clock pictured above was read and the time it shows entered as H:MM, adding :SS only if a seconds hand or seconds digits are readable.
6:20
